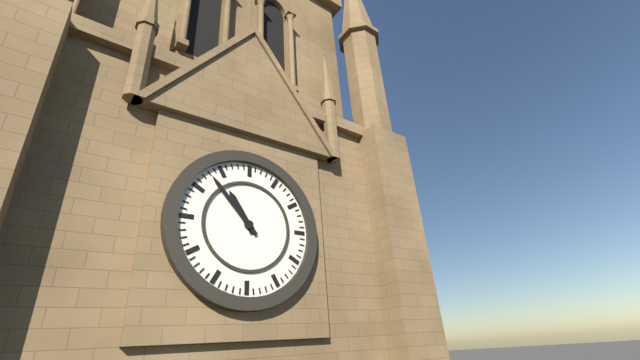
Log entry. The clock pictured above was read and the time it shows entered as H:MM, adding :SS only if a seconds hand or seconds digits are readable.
10:53
